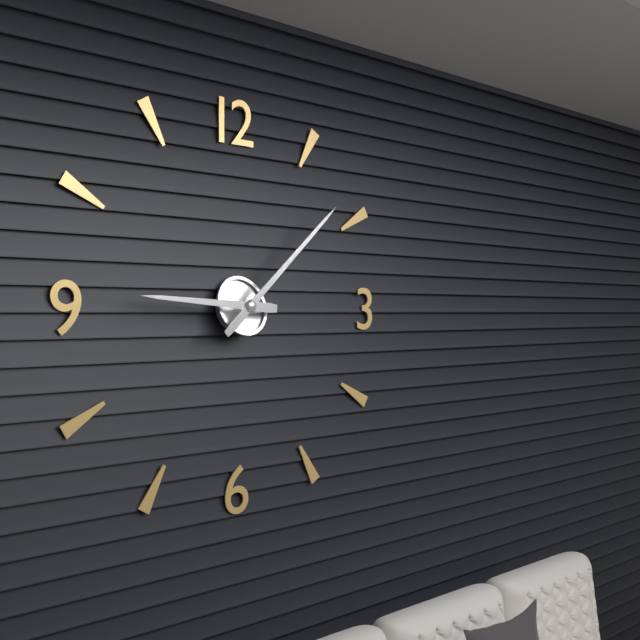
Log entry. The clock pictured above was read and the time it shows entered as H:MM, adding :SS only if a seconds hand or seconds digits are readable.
9:08
